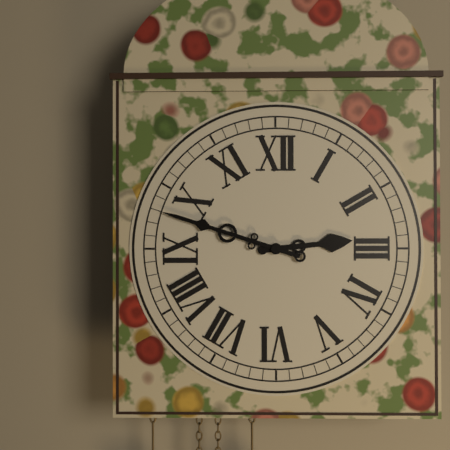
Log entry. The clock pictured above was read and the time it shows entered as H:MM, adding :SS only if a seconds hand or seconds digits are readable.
2:48
